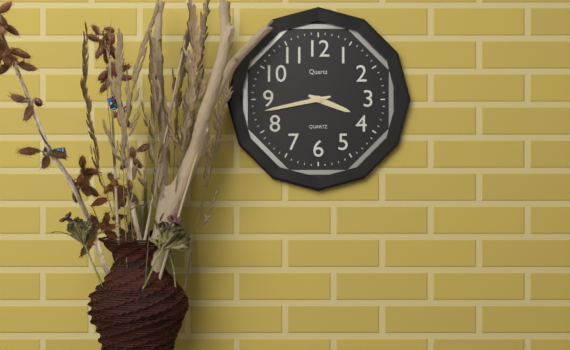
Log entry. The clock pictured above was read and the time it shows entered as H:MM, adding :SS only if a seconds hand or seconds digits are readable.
3:43
